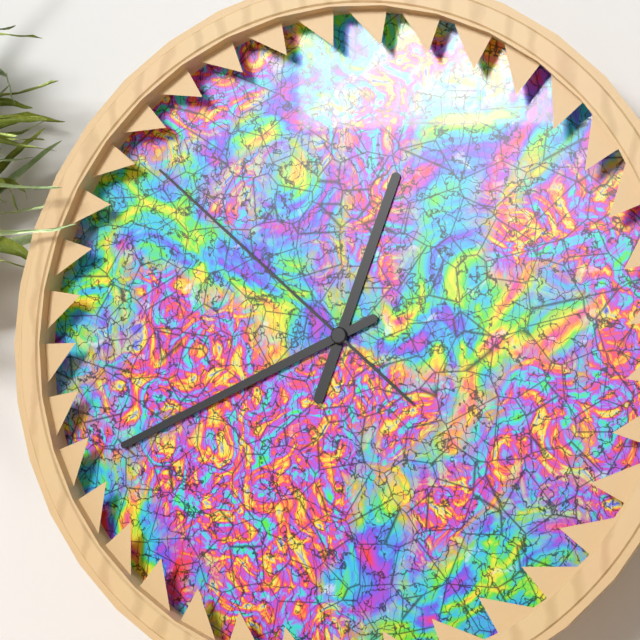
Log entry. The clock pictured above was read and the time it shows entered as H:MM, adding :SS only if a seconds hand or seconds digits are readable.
12:41:52
